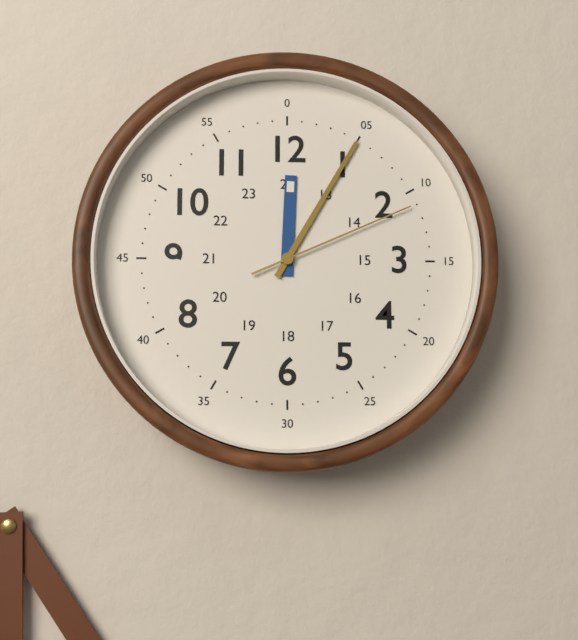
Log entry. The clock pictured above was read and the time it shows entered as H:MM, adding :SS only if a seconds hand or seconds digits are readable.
12:05:11
